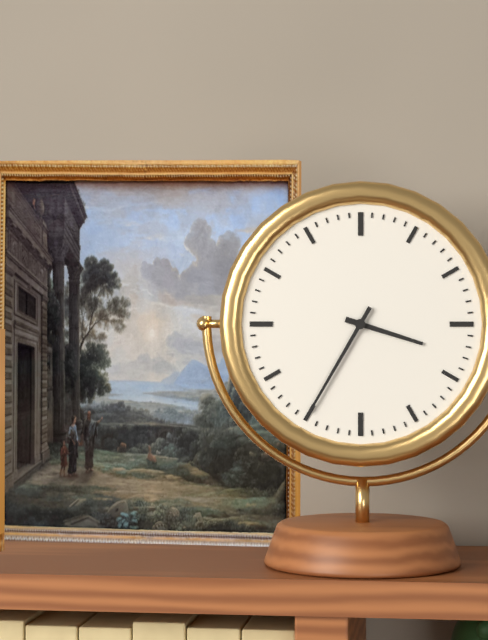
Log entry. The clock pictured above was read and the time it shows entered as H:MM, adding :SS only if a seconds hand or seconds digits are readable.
3:35
